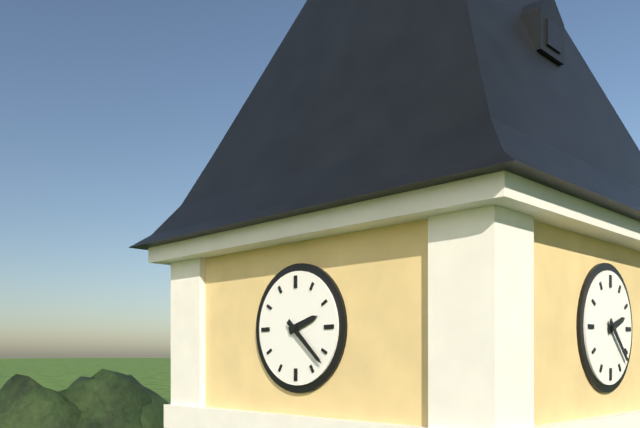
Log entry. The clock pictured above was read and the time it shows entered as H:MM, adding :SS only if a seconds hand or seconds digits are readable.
2:22
